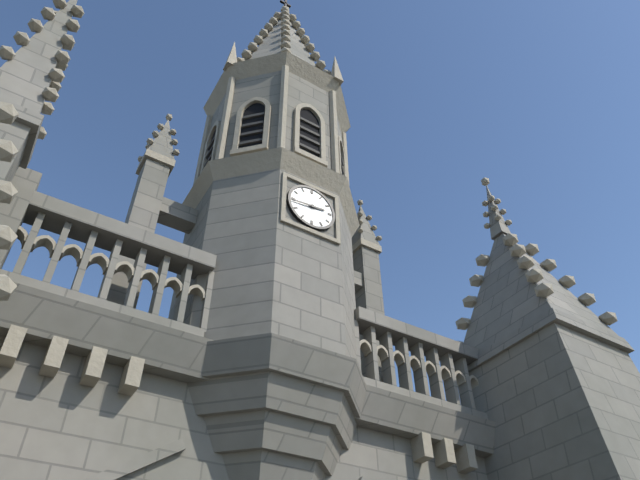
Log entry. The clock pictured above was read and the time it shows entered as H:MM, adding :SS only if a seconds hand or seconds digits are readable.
2:44
